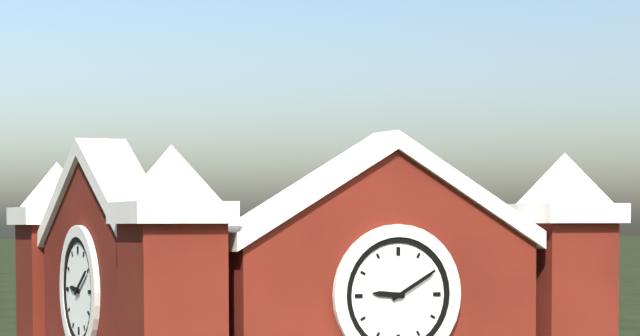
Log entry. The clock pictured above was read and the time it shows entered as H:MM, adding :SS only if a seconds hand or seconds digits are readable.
9:10
